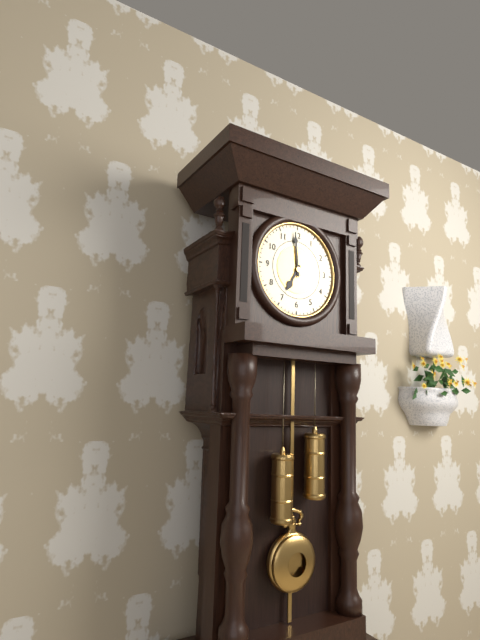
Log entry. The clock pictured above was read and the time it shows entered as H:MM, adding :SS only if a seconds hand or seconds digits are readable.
6:59
